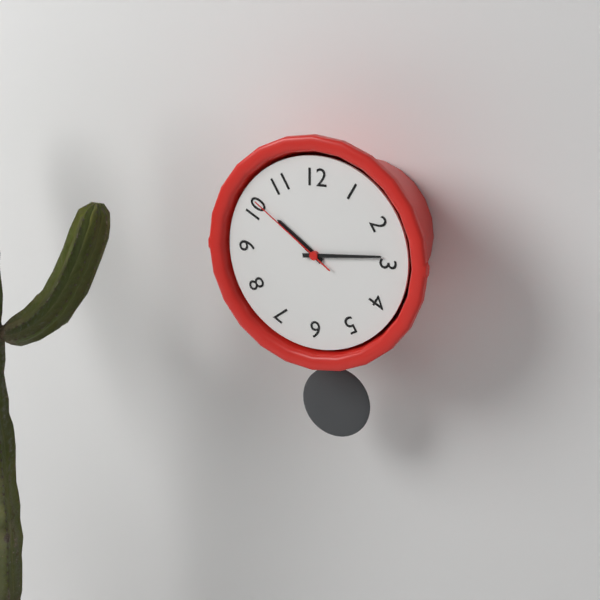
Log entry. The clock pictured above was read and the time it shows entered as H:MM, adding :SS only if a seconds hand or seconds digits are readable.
10:14:51
